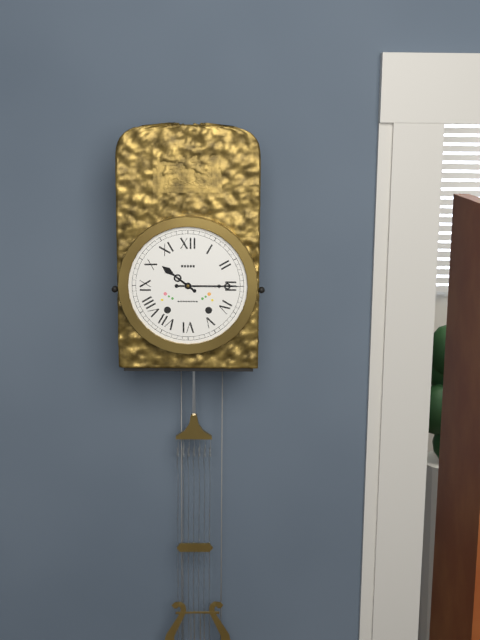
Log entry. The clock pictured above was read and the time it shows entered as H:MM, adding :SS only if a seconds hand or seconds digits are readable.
10:15
